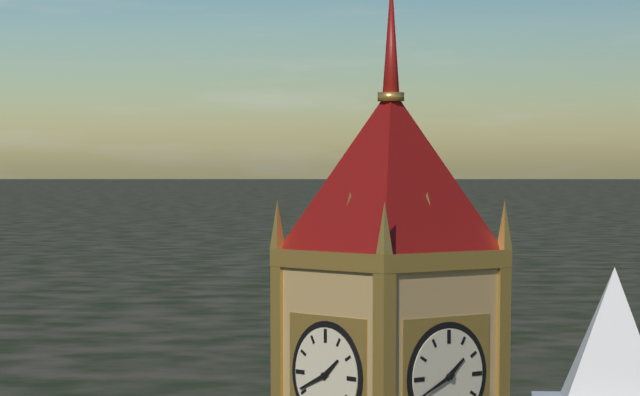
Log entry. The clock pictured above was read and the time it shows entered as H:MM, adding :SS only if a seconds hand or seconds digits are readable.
1:41
